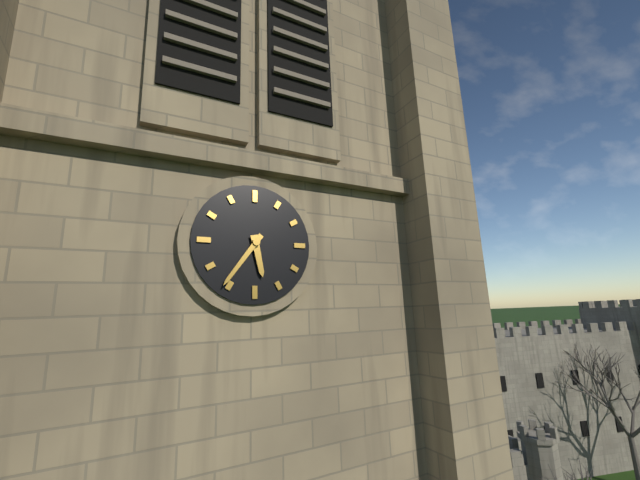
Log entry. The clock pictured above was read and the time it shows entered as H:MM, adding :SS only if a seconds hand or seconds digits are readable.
5:36
